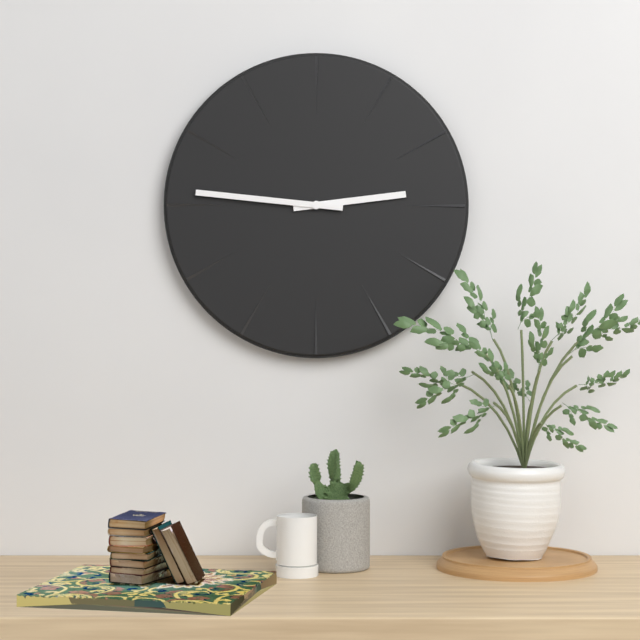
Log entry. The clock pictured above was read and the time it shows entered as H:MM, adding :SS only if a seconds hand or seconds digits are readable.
2:46
